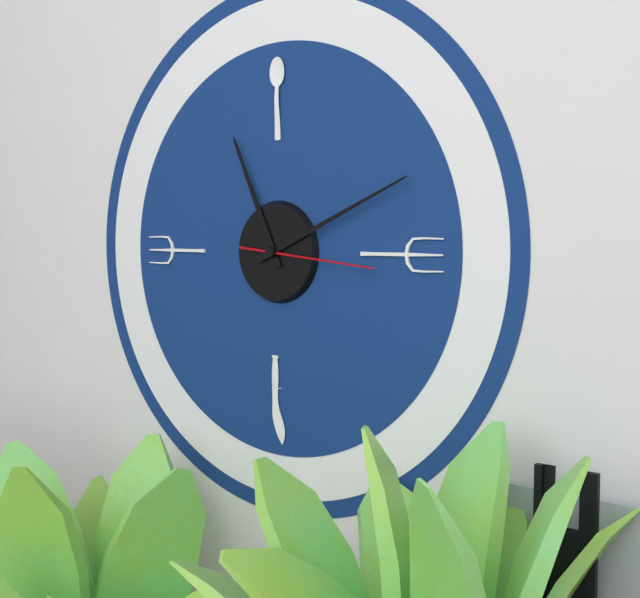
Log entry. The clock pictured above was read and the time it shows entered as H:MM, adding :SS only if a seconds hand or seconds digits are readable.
11:11:16
